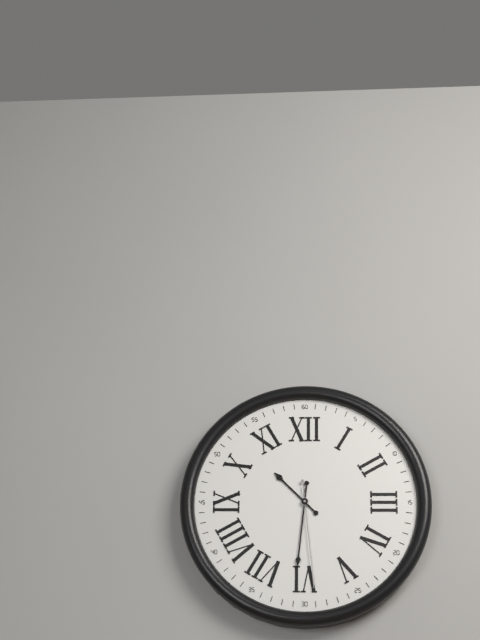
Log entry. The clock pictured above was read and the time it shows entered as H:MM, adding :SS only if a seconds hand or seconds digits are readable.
10:31:29
